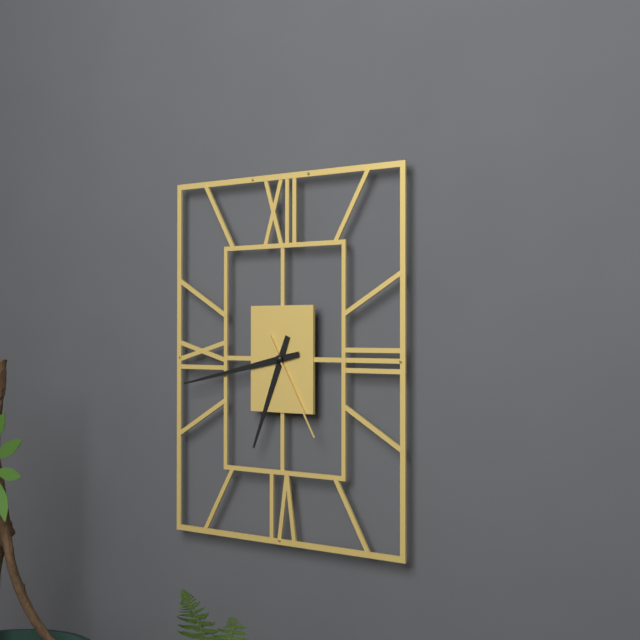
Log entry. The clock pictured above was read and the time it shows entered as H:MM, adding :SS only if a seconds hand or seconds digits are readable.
6:43:25
